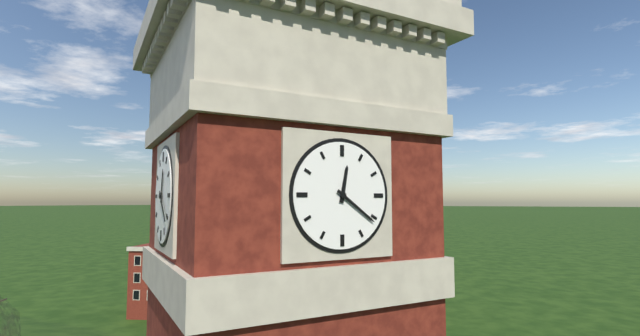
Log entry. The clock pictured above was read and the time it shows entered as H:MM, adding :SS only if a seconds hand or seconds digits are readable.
12:21
